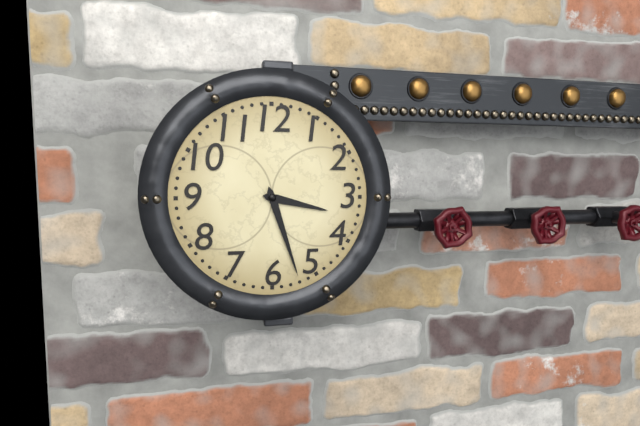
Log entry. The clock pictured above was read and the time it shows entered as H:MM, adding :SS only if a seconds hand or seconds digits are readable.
3:27
